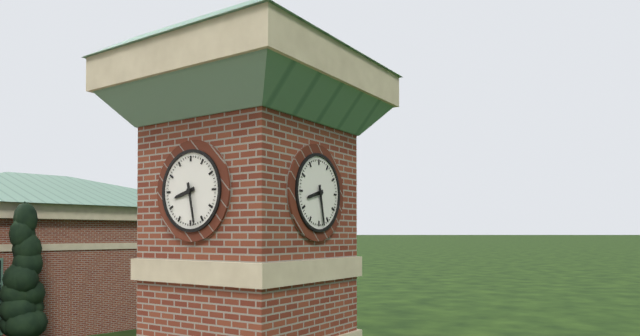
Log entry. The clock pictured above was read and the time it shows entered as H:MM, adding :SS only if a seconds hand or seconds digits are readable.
8:28
